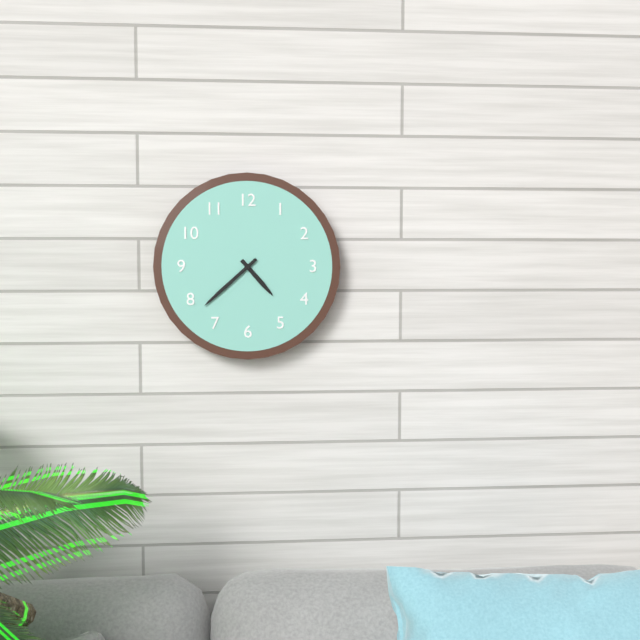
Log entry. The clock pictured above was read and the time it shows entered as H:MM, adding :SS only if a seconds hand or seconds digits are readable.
4:38
